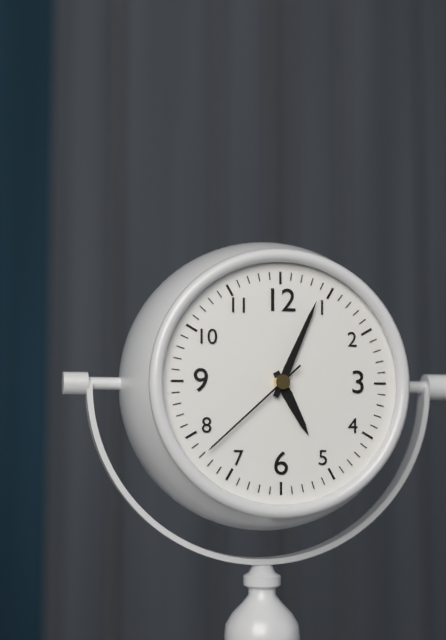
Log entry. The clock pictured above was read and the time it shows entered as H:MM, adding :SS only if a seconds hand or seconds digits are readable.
5:04:38
